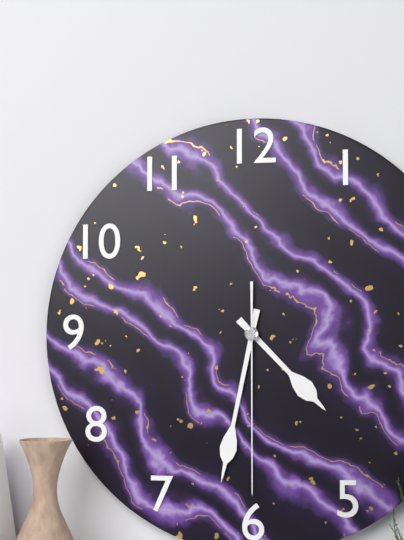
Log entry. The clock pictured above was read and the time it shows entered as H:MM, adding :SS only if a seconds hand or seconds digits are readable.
4:32:30
